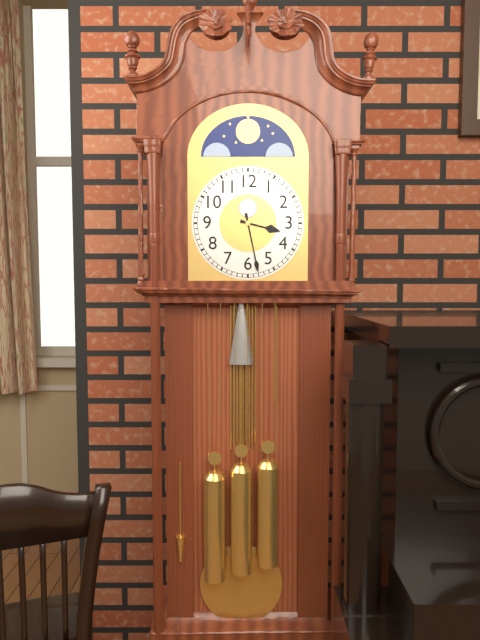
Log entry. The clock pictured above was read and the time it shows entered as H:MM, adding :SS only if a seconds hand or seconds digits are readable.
3:28
